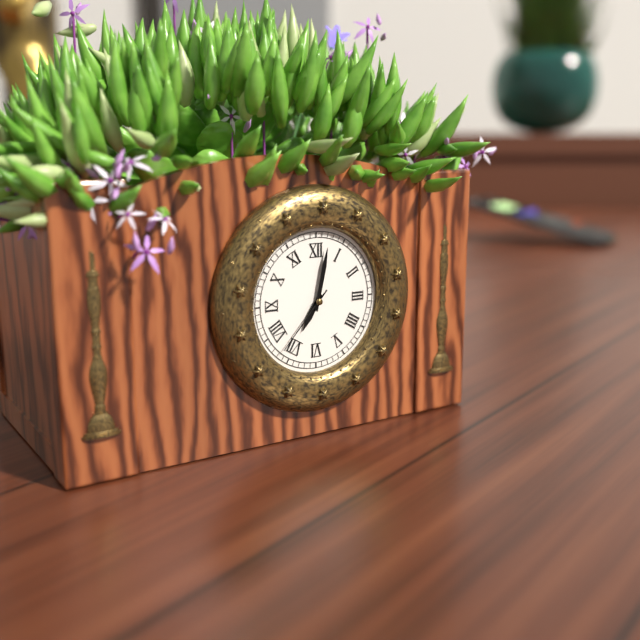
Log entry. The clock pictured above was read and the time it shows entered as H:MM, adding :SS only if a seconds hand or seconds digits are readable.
7:02:37
